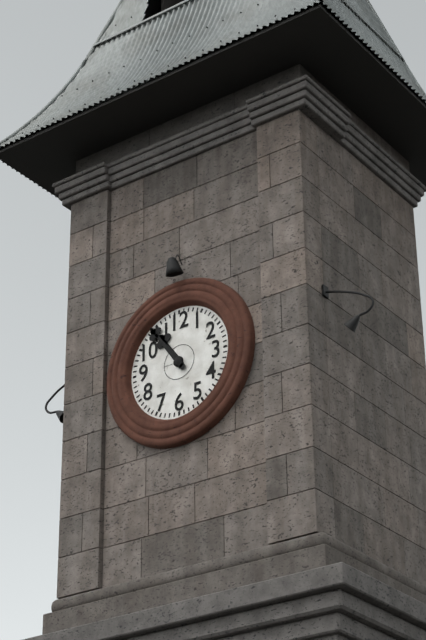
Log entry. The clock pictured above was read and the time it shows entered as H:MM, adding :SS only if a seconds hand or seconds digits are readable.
10:54
